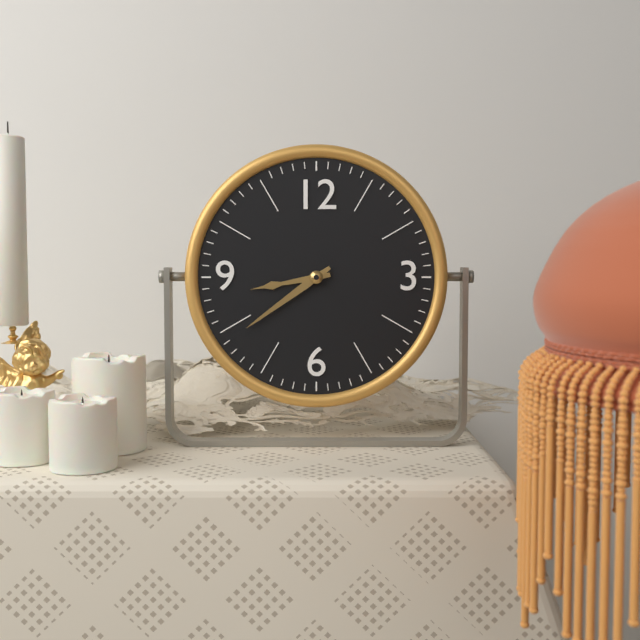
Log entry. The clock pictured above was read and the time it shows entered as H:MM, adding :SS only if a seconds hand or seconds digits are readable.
8:39
